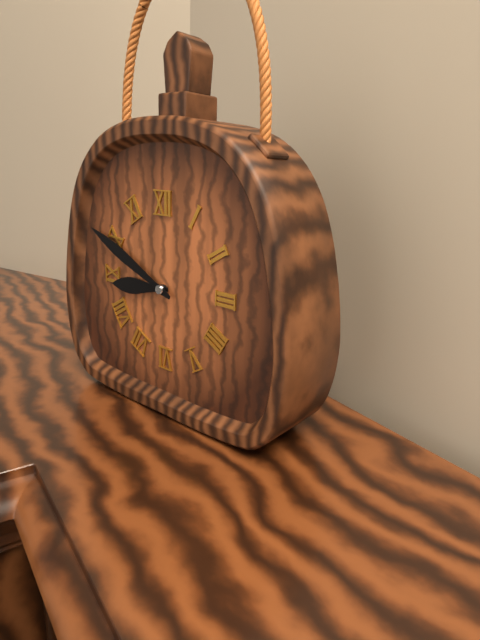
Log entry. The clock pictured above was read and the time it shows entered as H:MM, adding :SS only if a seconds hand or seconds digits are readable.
8:49
